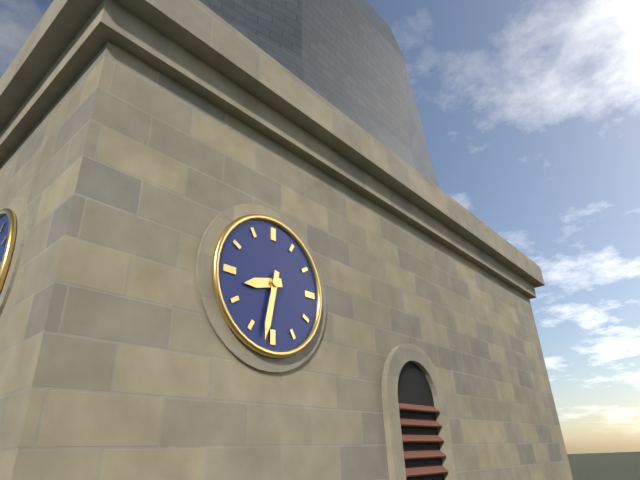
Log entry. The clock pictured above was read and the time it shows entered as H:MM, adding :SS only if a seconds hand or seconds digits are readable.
8:32
